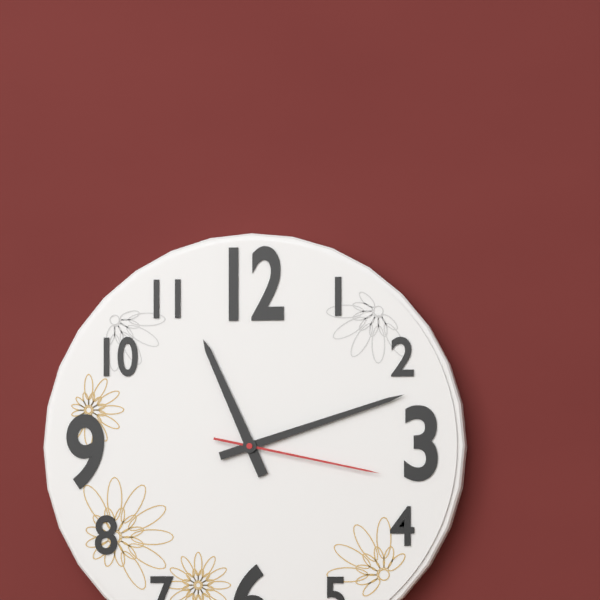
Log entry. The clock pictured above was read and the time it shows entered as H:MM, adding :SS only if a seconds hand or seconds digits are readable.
11:12:17
